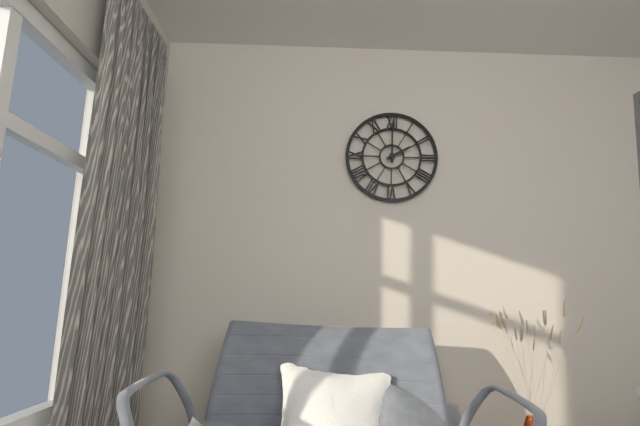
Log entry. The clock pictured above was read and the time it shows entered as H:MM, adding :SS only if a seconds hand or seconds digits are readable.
2:00
